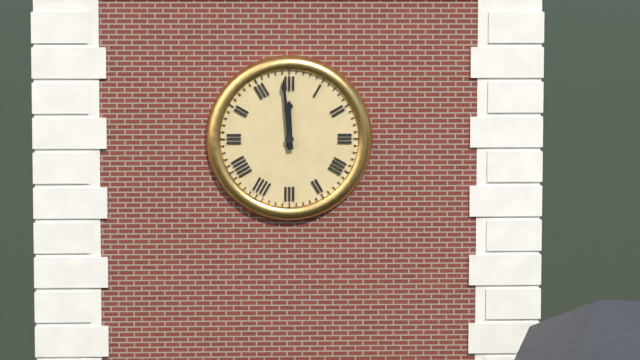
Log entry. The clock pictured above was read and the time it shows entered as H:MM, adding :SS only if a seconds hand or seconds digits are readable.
11:59
